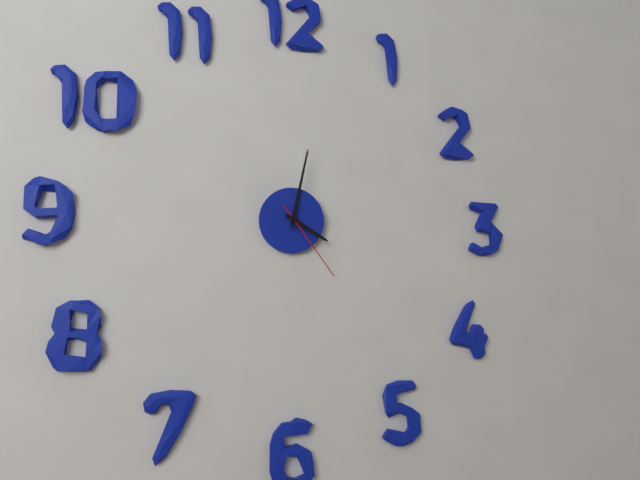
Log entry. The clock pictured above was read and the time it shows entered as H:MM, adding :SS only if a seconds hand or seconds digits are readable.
4:02:24
